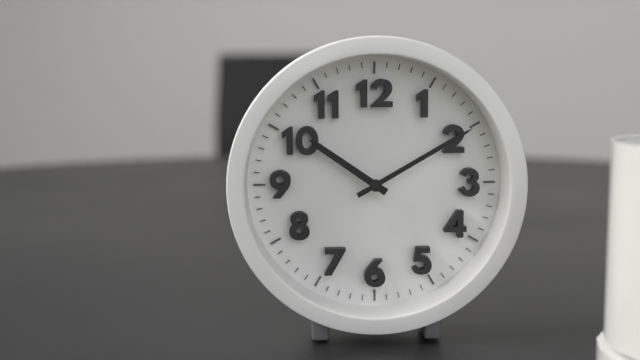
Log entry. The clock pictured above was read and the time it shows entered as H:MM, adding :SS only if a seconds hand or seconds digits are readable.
10:10
